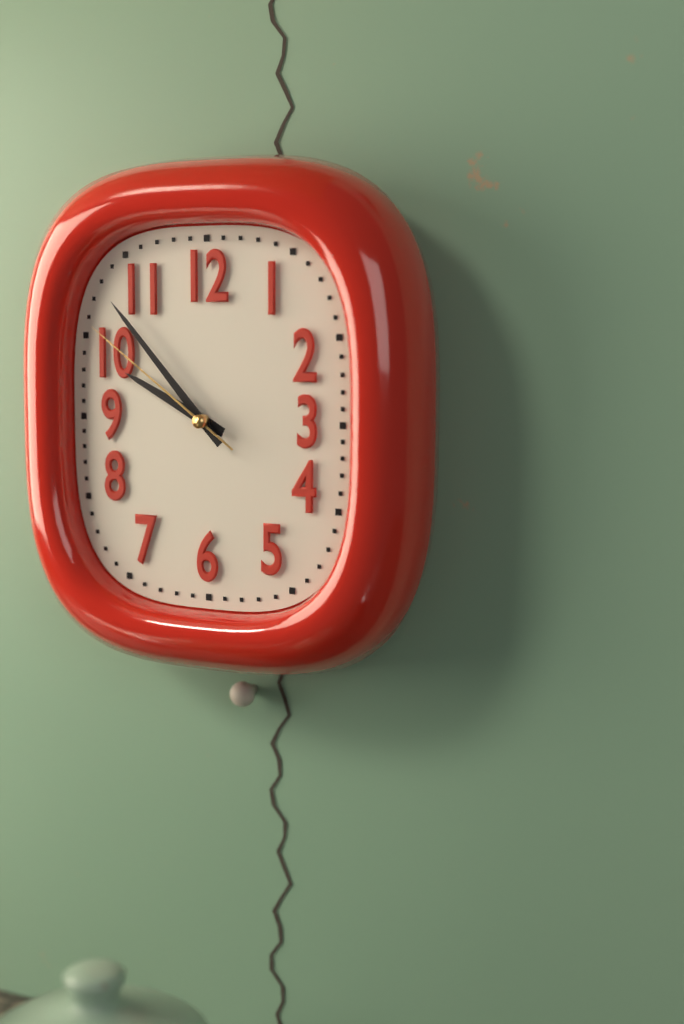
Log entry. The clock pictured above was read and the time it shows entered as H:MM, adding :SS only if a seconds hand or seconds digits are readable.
9:53:51
